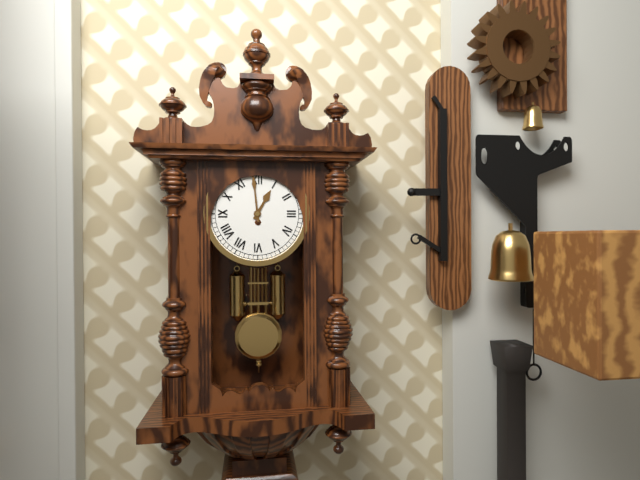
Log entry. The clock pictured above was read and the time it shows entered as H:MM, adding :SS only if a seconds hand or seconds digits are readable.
12:59
